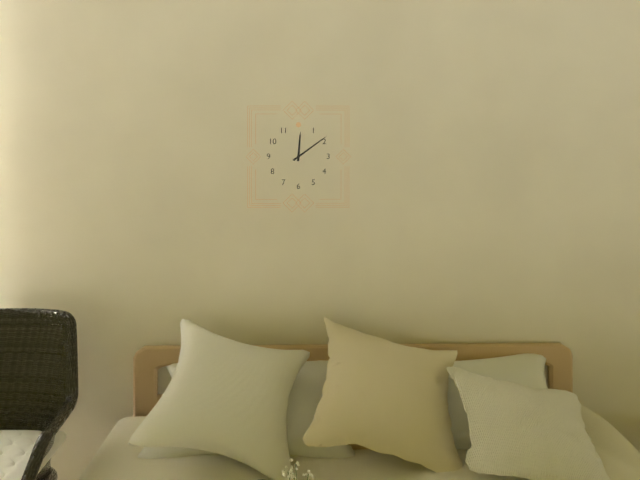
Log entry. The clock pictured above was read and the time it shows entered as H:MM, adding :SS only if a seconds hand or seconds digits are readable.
12:09
